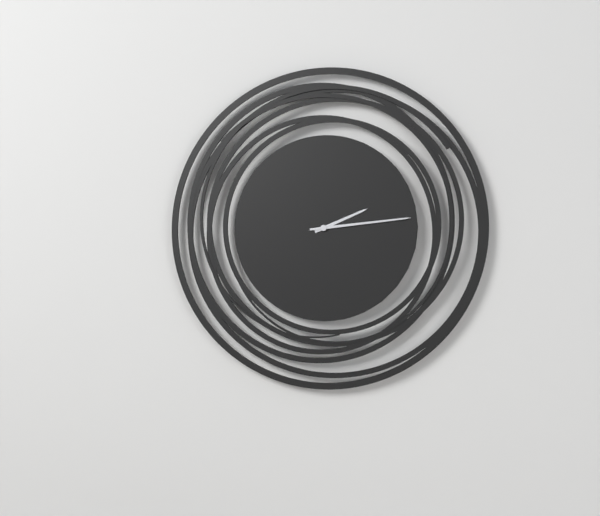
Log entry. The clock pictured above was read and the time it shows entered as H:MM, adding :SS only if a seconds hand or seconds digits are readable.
2:14
